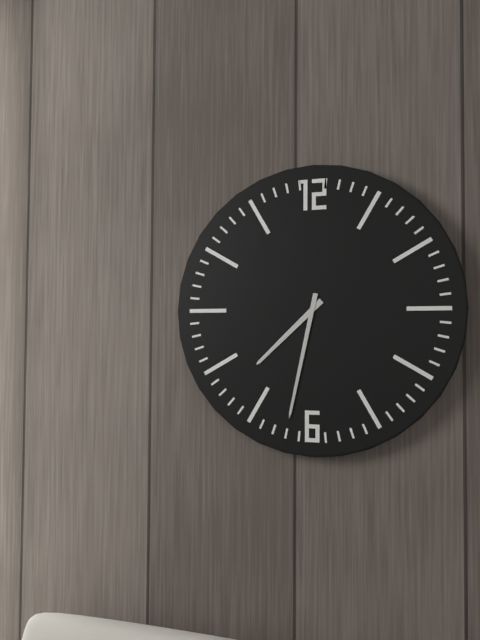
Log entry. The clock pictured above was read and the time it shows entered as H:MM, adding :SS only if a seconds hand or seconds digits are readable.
7:32
